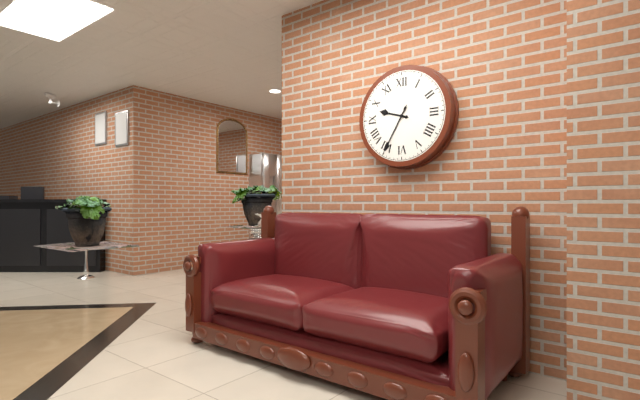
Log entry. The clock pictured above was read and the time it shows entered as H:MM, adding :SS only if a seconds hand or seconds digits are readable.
9:35:35
